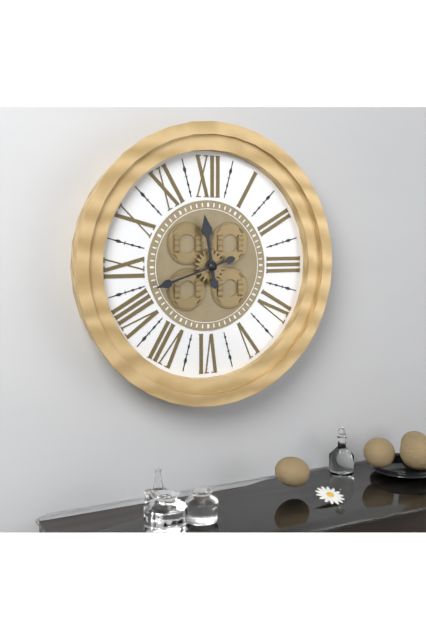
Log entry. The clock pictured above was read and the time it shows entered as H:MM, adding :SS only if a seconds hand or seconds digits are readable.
11:42
